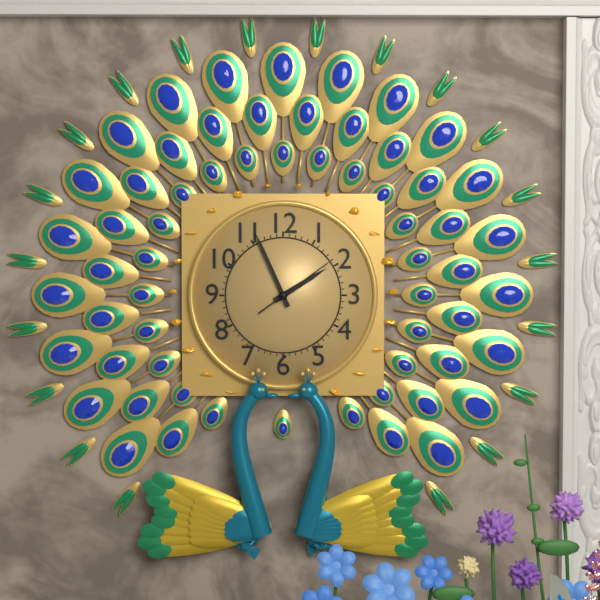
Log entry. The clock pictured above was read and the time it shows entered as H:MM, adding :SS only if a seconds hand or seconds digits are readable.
1:56:09
